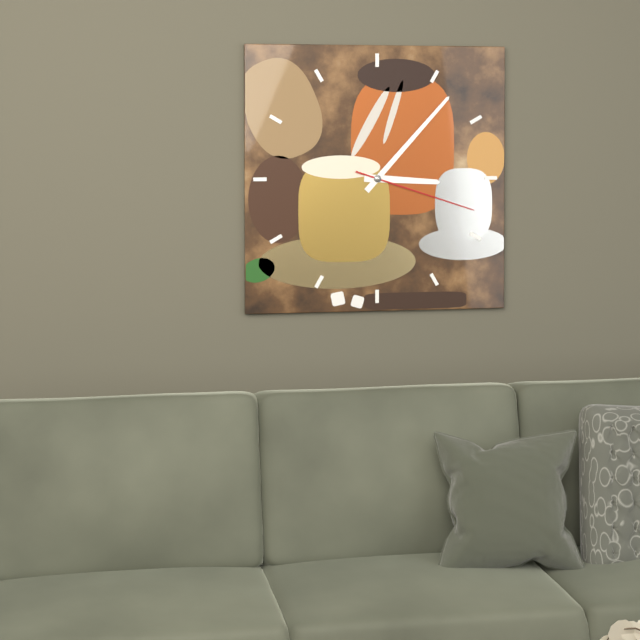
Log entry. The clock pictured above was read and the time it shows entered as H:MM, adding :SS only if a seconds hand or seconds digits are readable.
3:07:18
